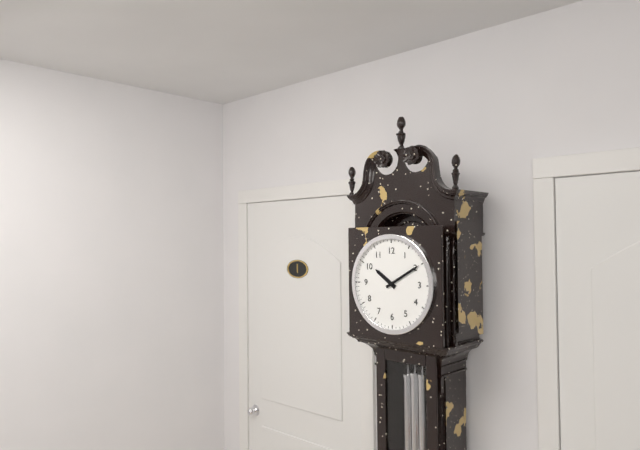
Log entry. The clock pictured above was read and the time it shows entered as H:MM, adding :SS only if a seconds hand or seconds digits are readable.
10:10
